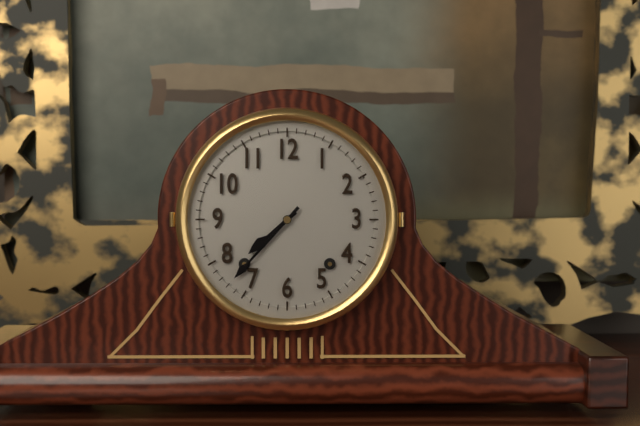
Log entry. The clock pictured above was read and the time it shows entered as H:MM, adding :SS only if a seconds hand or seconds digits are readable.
7:37
